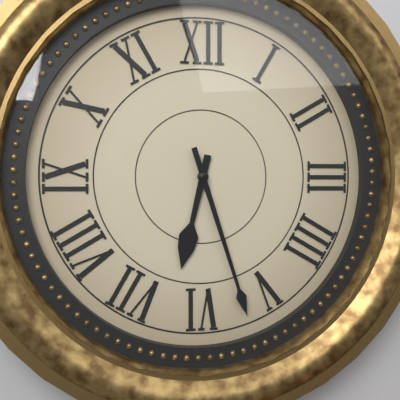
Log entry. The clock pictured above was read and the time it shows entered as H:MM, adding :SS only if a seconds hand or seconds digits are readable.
6:27
